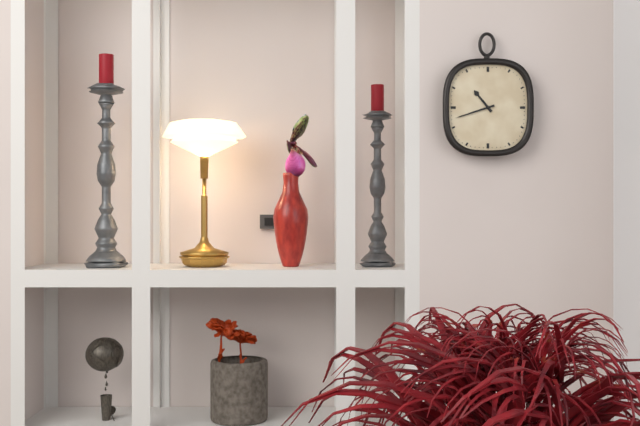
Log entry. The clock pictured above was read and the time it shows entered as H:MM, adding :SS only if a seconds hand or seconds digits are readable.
10:42
